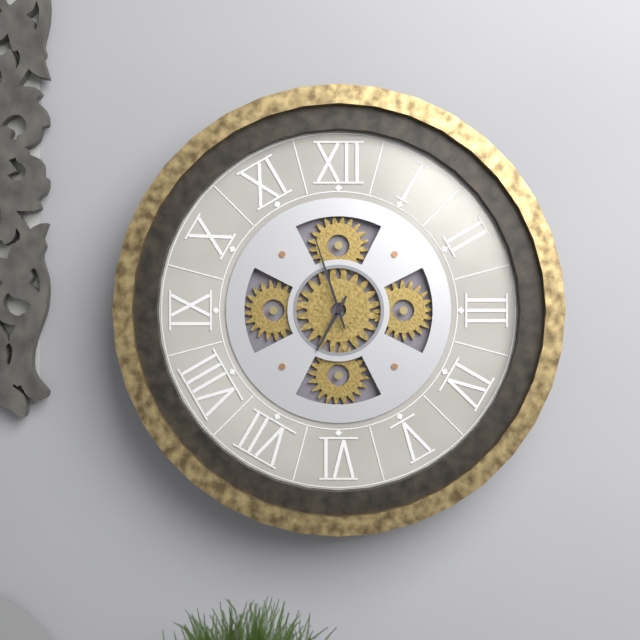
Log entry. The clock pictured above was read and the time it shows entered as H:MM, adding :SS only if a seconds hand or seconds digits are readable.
6:57
